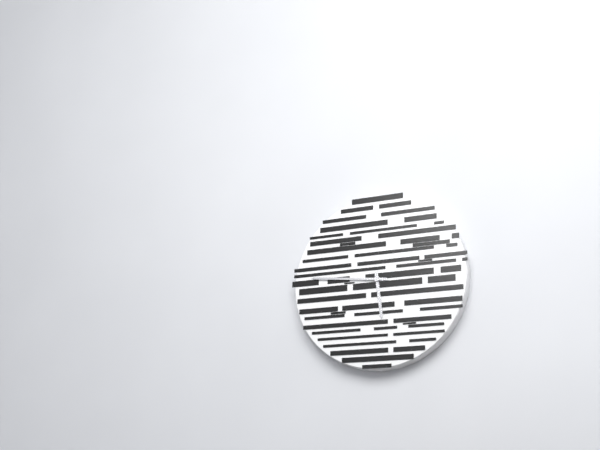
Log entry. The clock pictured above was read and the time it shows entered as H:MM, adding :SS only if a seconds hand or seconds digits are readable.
5:46
